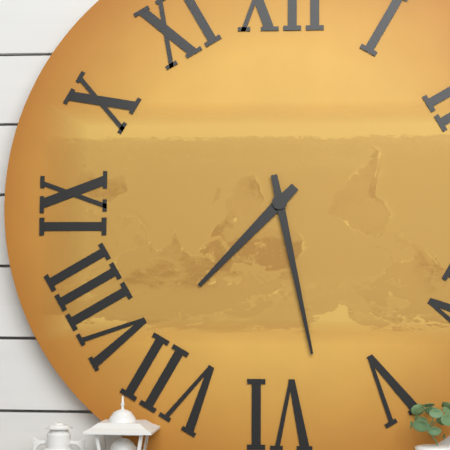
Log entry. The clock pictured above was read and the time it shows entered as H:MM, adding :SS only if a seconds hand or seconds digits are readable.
7:28
